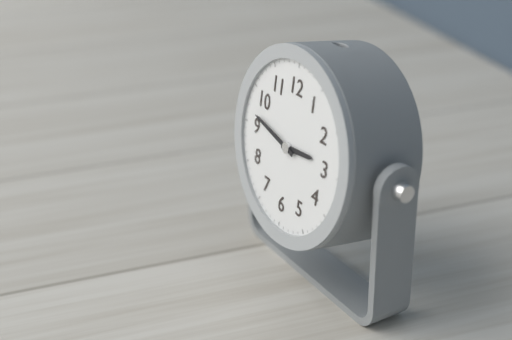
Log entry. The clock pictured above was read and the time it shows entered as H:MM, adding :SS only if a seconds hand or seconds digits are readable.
2:47
